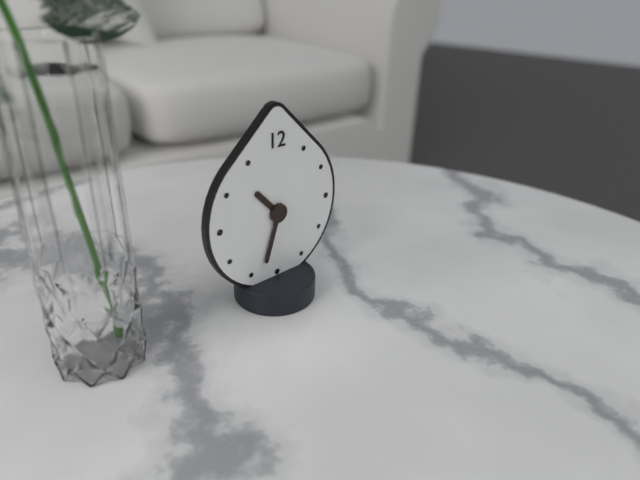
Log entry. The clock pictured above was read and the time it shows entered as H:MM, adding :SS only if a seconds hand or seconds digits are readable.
10:33
